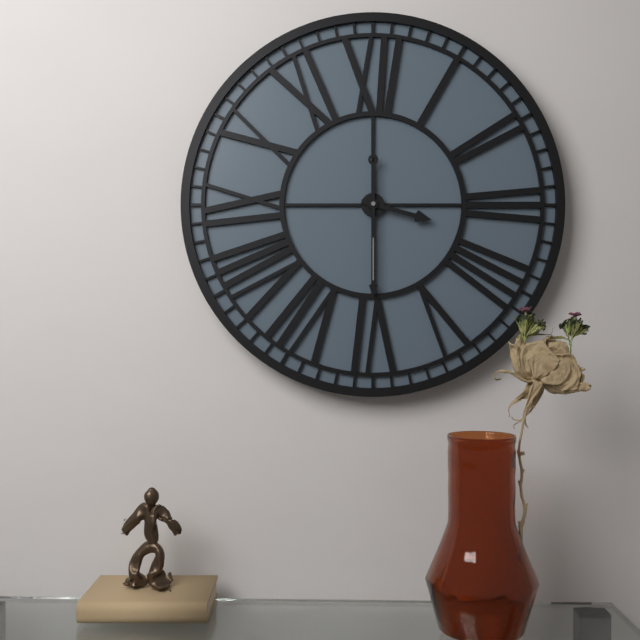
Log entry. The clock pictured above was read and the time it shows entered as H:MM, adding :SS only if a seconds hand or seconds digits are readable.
3:30
